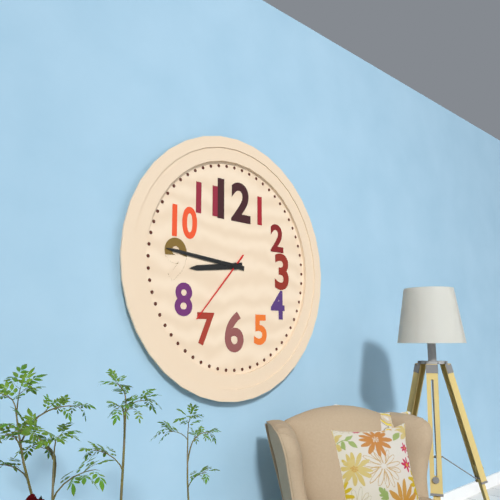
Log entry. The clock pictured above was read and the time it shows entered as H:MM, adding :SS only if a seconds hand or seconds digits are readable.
8:46:37
